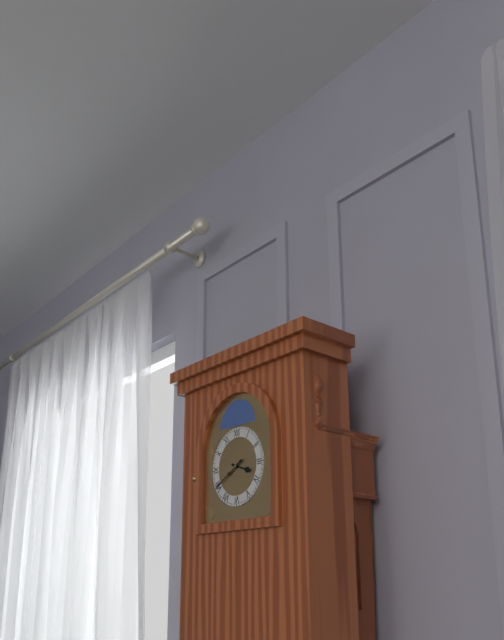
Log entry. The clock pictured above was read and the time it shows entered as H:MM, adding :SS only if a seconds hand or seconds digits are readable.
3:40
